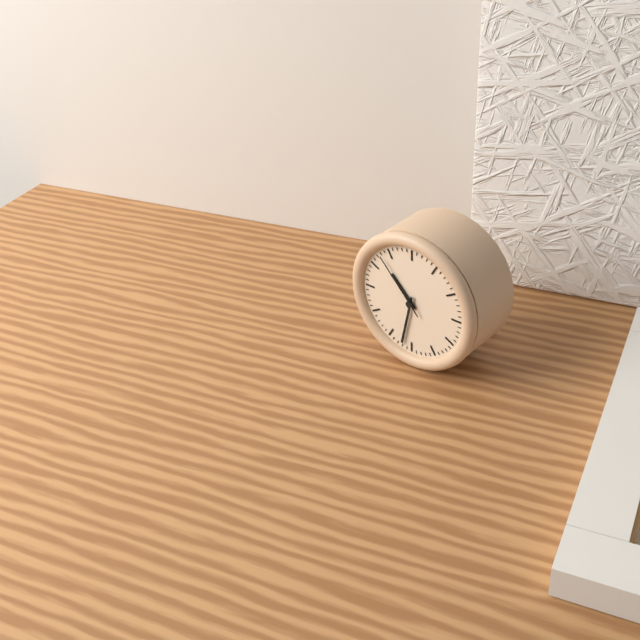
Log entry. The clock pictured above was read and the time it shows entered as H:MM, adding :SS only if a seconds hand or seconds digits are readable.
10:32:53
